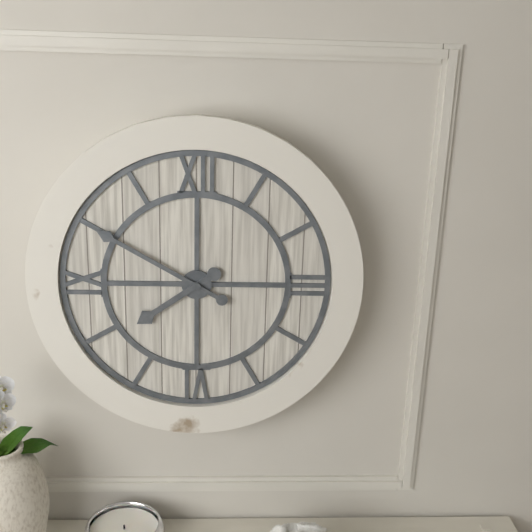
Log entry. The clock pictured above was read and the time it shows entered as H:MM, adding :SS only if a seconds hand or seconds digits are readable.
7:50
